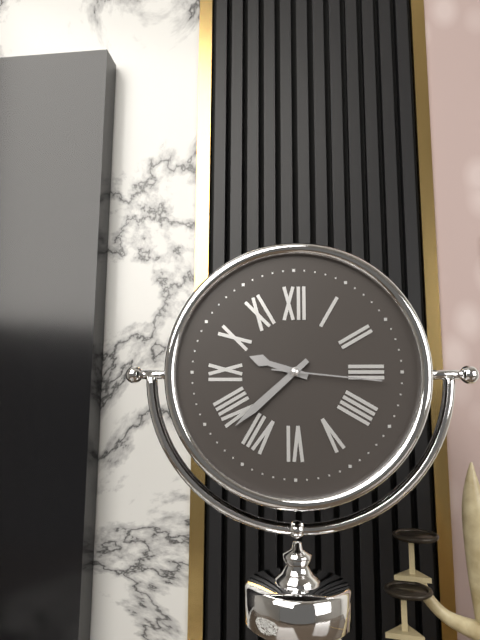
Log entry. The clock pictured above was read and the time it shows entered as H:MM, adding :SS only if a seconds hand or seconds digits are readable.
9:38:16
